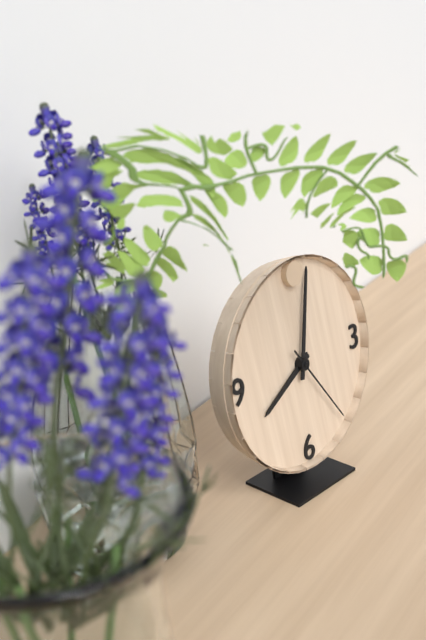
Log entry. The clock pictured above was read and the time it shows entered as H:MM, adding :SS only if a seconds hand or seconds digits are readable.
8:02:24
